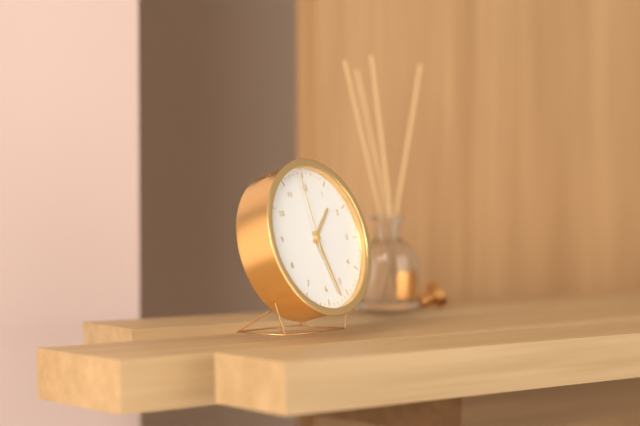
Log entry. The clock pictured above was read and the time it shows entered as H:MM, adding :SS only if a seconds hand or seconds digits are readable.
1:27:59
